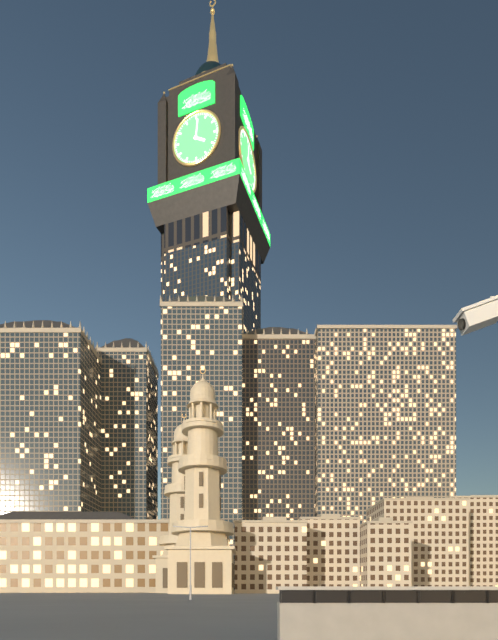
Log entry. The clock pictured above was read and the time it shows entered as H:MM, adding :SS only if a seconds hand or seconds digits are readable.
4:01
